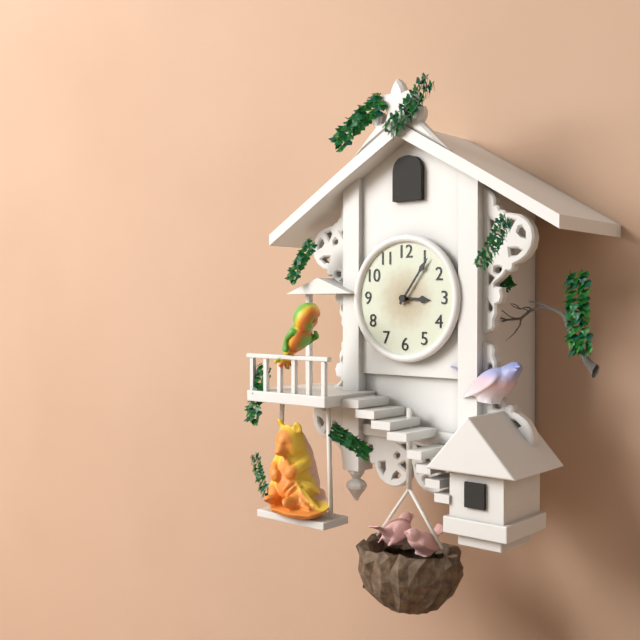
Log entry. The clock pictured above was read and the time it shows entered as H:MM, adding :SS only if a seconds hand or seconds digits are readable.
3:06
